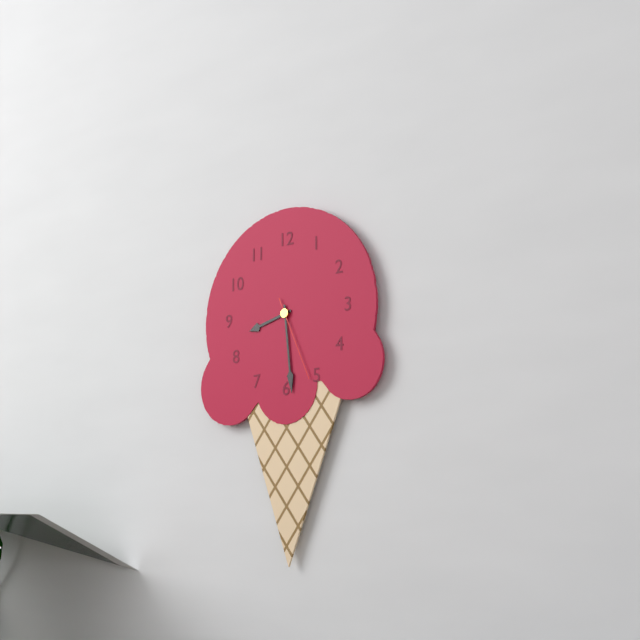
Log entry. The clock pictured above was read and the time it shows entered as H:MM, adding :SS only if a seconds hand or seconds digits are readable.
8:29:26
